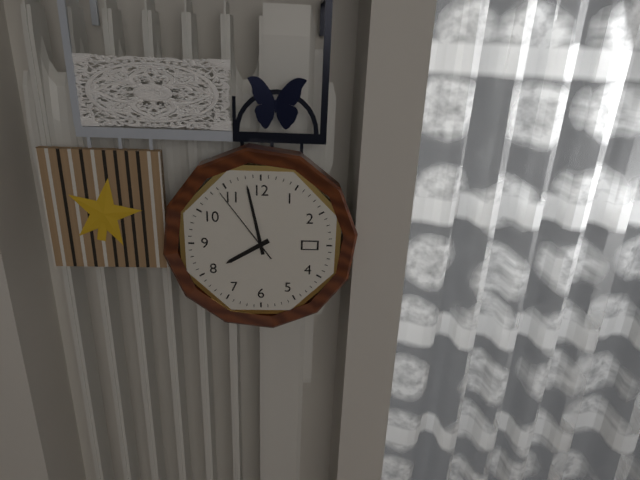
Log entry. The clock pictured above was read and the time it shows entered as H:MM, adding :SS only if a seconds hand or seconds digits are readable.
7:58:54
